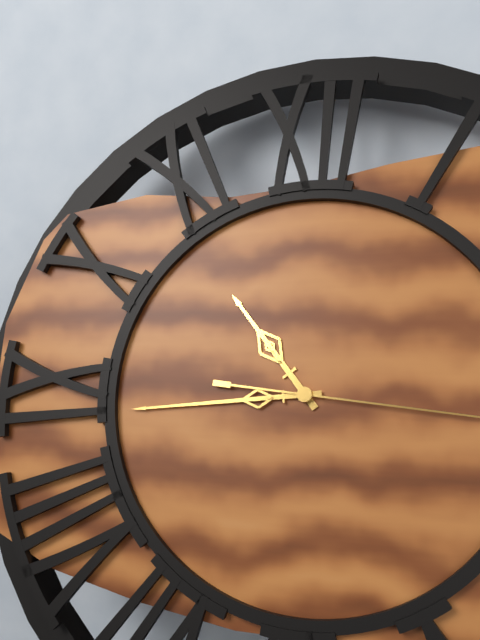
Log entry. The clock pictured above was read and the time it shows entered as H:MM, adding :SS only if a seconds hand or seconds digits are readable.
10:44
